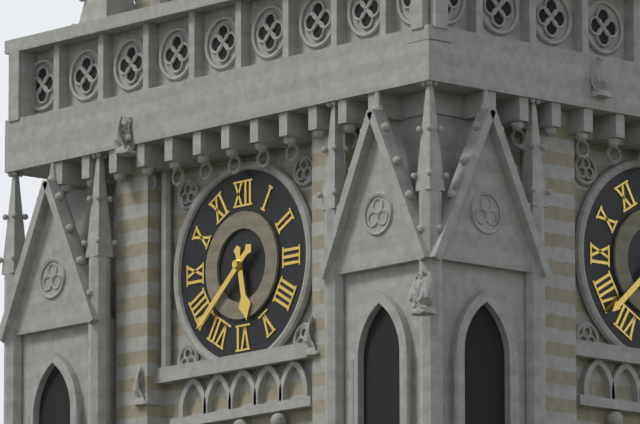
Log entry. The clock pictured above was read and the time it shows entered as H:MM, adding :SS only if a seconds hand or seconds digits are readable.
5:38
